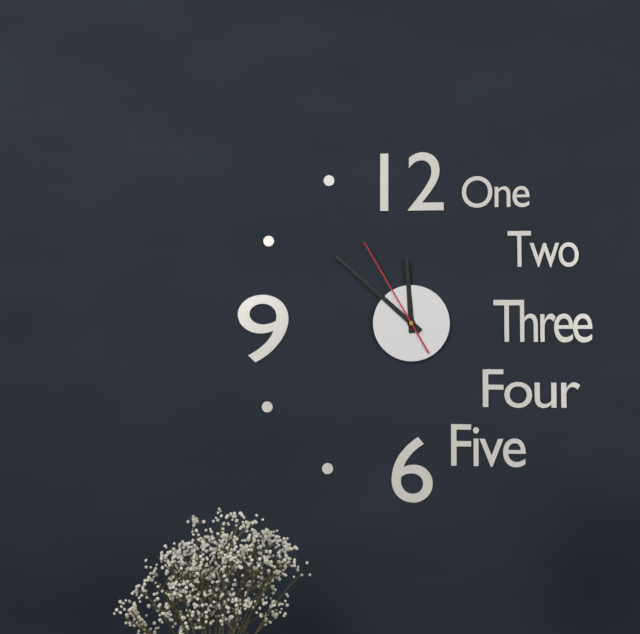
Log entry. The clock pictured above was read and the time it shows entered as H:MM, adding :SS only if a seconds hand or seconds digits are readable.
11:52:55
